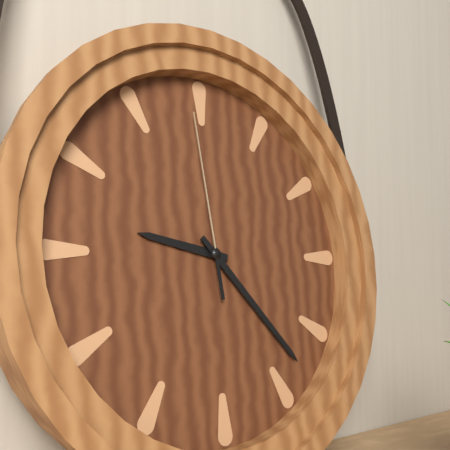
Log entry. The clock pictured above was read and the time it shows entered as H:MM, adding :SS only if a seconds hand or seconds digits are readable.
9:23:59
